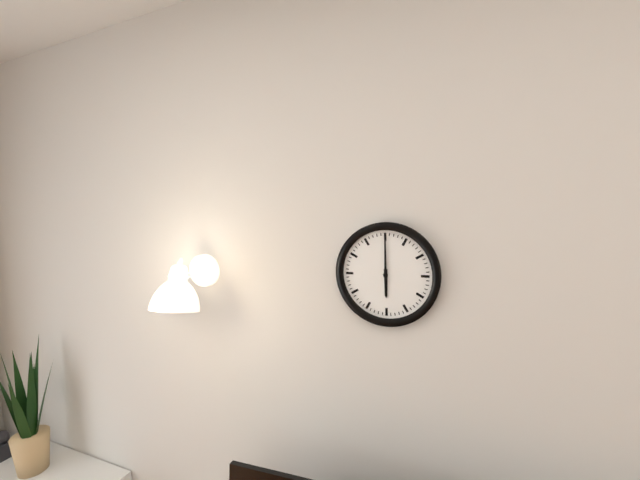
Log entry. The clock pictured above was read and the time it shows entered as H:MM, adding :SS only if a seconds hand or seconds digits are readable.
6:00
